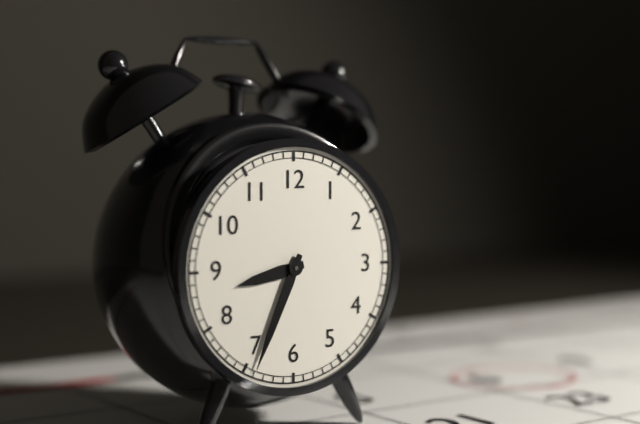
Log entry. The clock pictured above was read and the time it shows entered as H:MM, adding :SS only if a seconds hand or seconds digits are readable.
8:34
